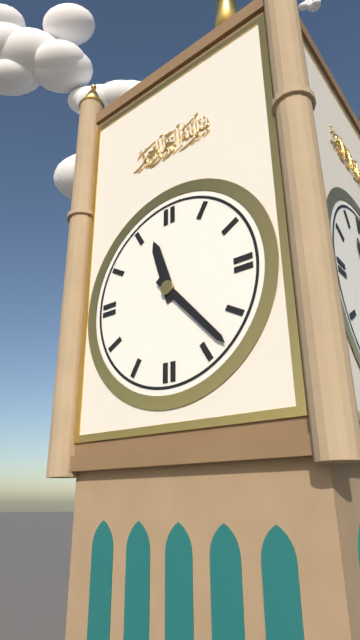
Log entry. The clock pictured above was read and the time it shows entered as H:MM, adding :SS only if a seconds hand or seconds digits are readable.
11:23
